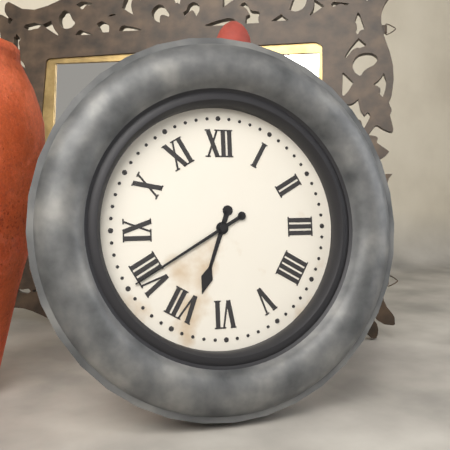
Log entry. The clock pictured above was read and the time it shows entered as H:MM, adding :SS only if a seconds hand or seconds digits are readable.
6:40
